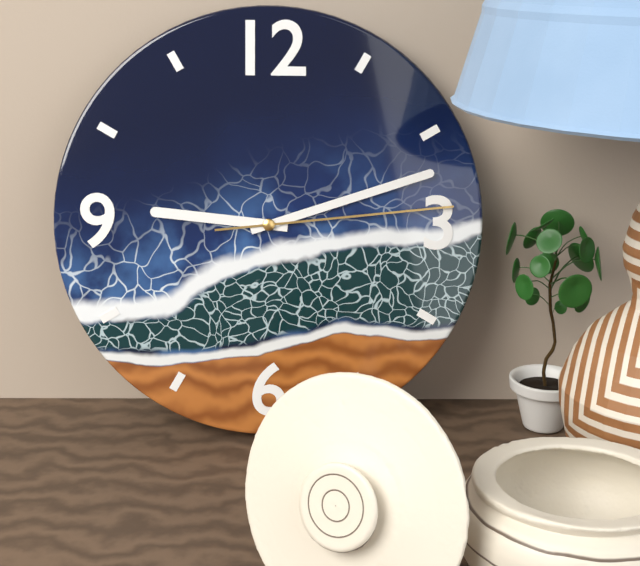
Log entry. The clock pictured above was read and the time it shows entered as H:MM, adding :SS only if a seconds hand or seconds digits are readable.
9:12:14
